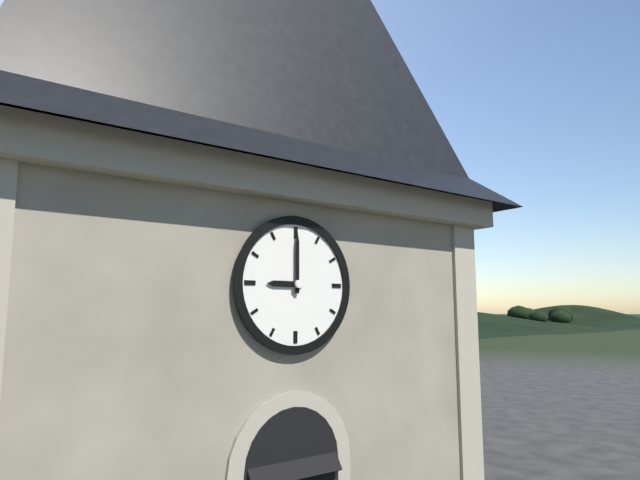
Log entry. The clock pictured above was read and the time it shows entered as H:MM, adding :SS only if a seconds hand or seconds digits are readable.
9:00
